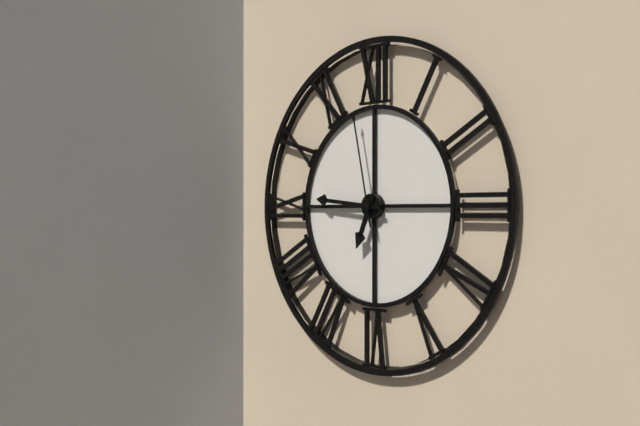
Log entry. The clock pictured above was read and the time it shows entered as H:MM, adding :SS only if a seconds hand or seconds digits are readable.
6:46:58
